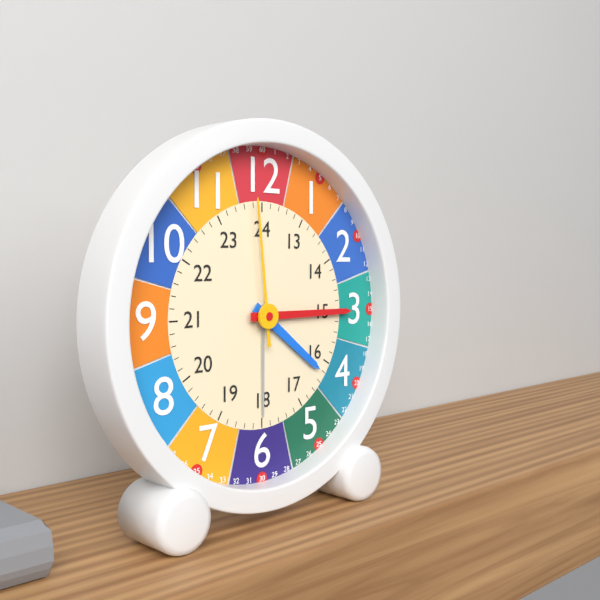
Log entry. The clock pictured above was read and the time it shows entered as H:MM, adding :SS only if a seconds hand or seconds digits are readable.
4:15:59
